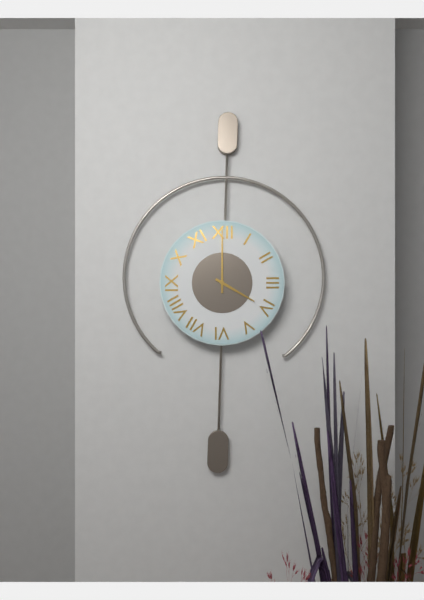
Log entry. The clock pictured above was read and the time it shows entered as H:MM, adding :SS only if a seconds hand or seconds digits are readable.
4:00
